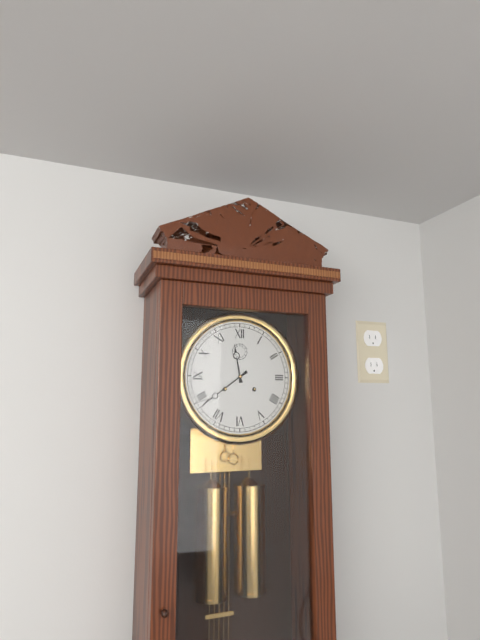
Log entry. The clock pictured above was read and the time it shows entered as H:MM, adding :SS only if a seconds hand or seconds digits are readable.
11:39
